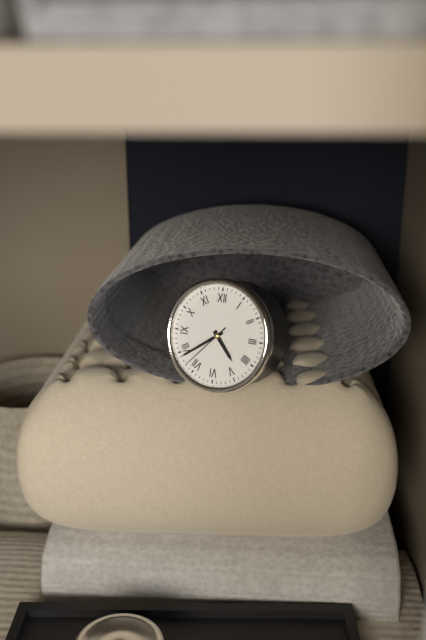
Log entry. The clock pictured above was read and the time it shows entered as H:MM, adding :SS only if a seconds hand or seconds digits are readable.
4:39:37
